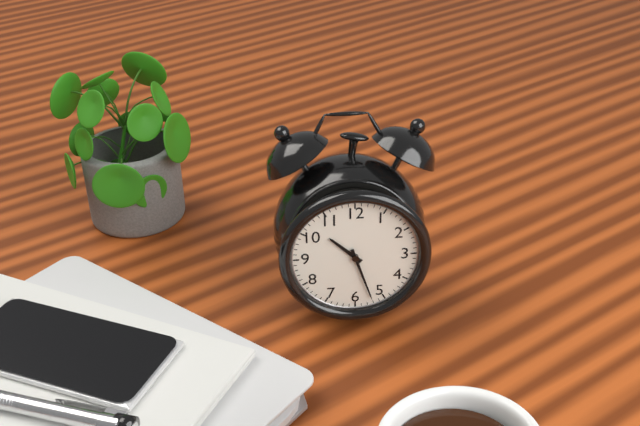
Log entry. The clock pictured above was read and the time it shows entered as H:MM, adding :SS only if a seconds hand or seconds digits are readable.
10:27
